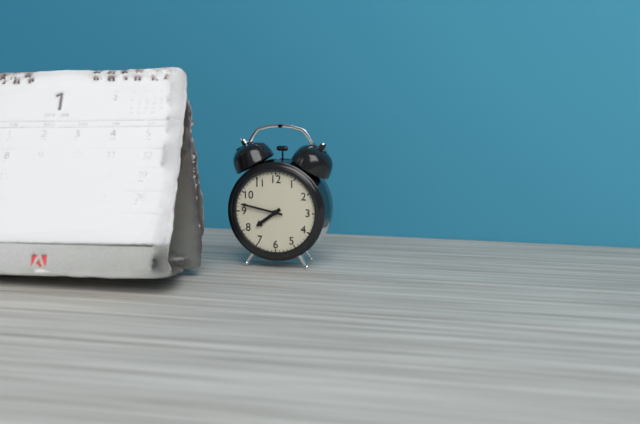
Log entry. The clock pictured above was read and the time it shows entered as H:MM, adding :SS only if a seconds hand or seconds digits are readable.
7:47
